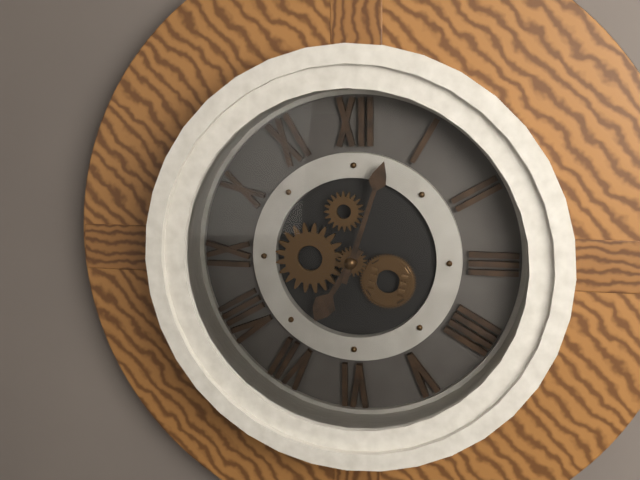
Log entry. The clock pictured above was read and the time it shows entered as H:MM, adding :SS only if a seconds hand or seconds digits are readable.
7:03
